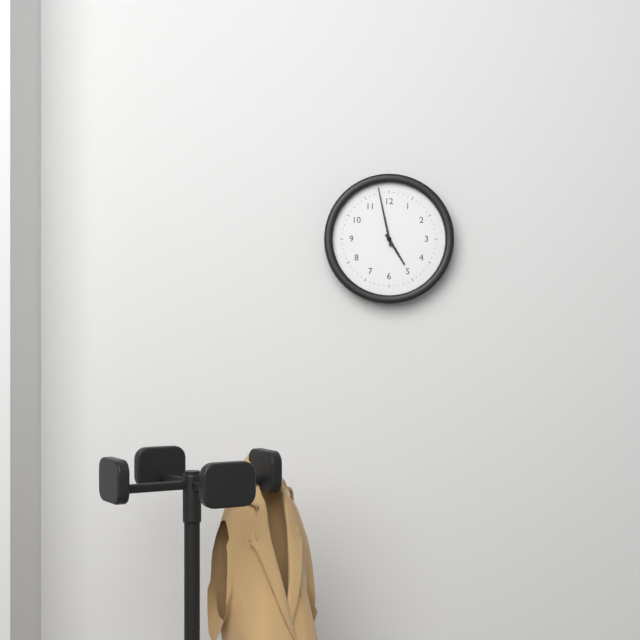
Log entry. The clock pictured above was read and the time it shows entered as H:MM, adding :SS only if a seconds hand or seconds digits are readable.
4:58
